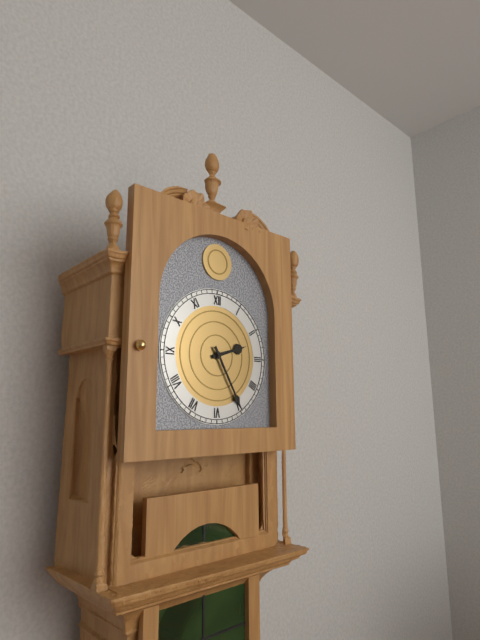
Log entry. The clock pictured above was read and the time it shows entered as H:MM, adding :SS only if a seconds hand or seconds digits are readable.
2:25
